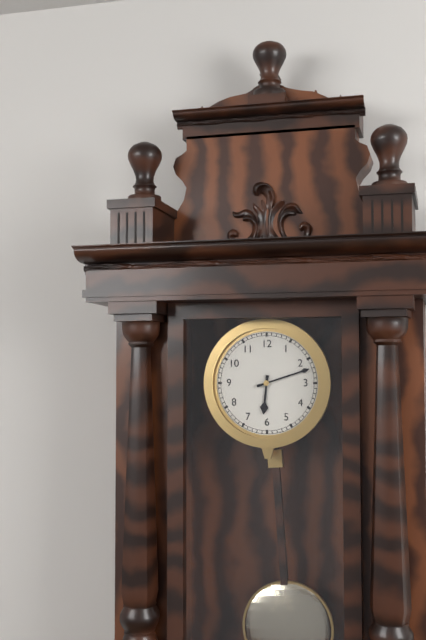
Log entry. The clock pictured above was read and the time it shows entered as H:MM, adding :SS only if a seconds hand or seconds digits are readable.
6:12
